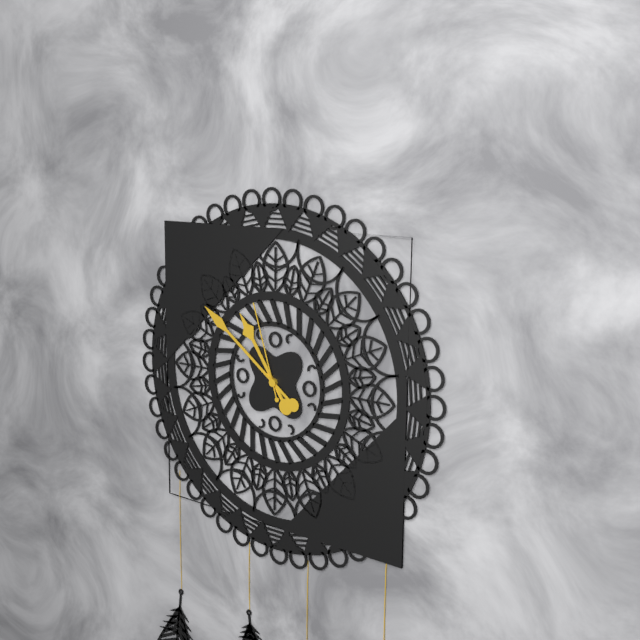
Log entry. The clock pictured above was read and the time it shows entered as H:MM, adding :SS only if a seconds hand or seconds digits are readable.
10:51:57
